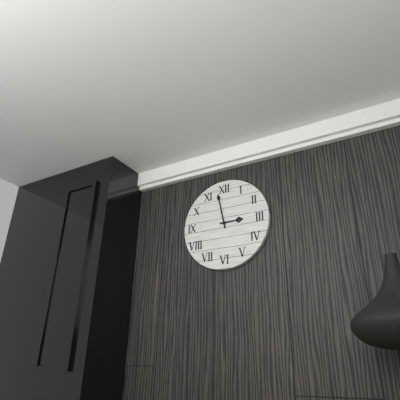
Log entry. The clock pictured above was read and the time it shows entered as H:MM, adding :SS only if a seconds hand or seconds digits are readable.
2:58
